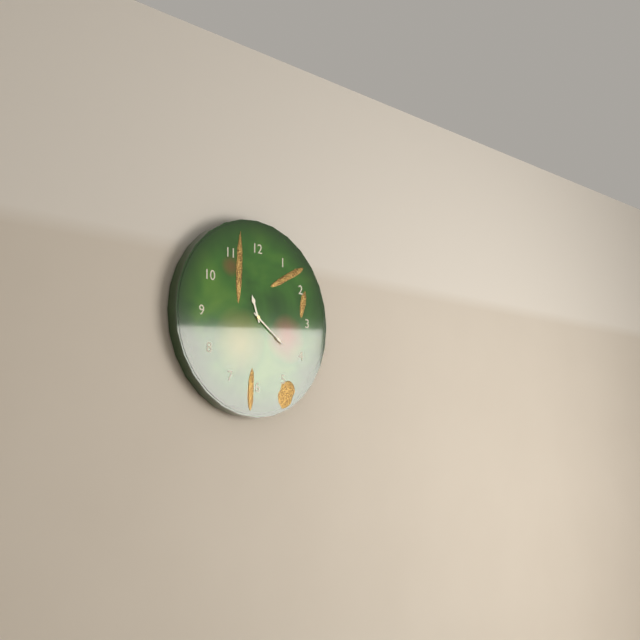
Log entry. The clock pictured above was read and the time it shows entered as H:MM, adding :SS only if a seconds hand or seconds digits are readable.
11:21
